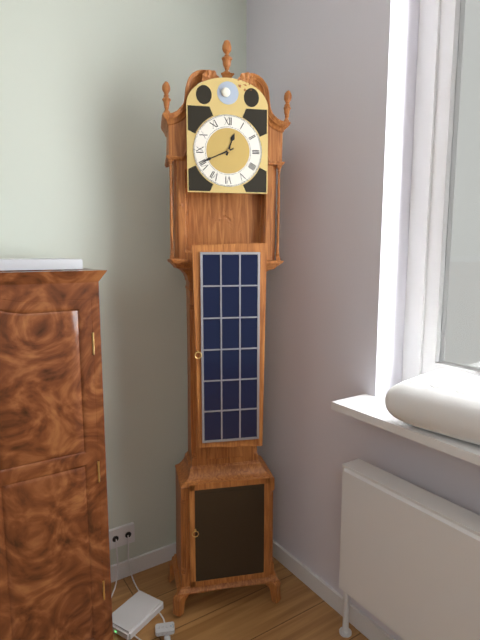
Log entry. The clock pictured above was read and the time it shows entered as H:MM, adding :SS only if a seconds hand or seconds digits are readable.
12:41
